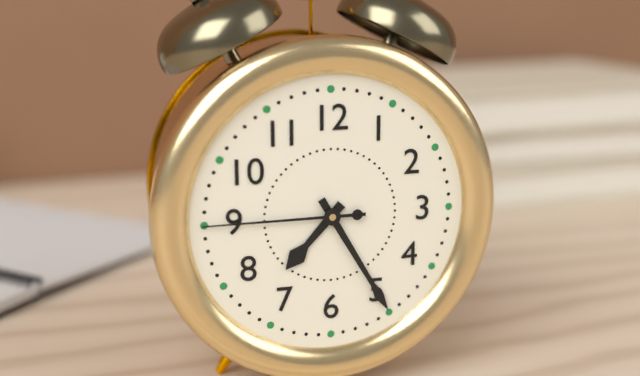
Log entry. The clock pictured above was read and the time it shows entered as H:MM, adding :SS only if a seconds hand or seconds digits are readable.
7:25:45
